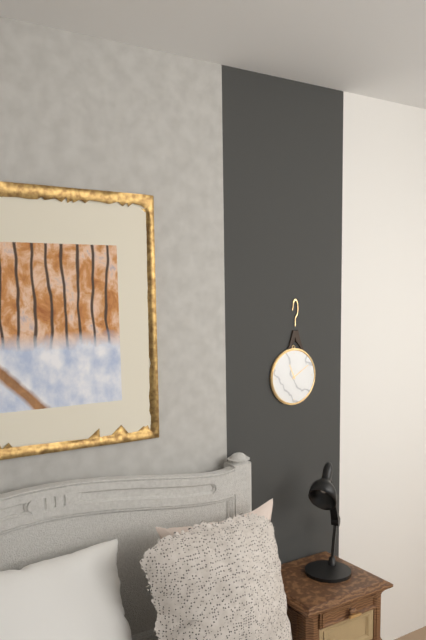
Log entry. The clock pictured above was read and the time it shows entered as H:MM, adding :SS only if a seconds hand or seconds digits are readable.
11:10
